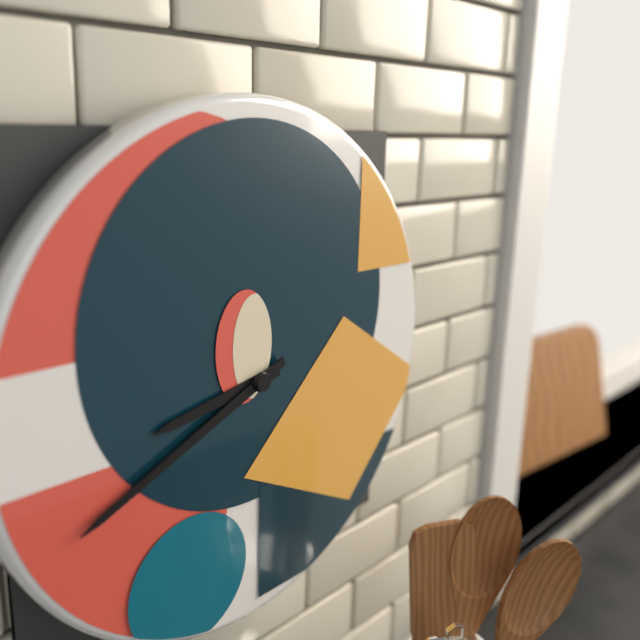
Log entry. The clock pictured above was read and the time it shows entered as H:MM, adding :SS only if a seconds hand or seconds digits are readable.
8:41
